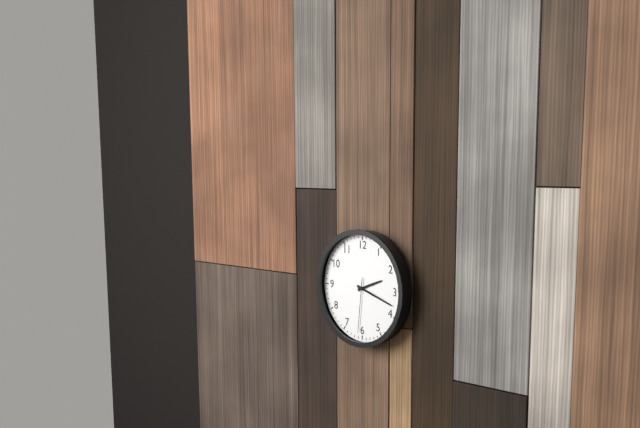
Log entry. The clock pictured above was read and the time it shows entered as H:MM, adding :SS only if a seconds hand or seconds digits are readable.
2:18:31
